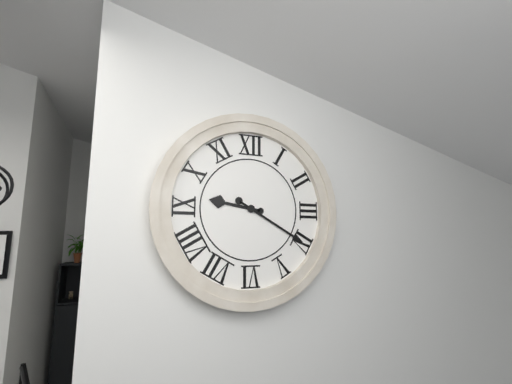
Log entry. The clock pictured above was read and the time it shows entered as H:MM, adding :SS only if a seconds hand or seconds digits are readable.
9:20
